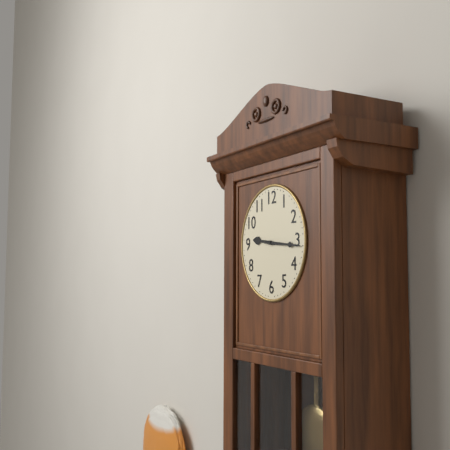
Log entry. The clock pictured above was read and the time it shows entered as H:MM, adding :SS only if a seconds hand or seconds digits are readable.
9:16
